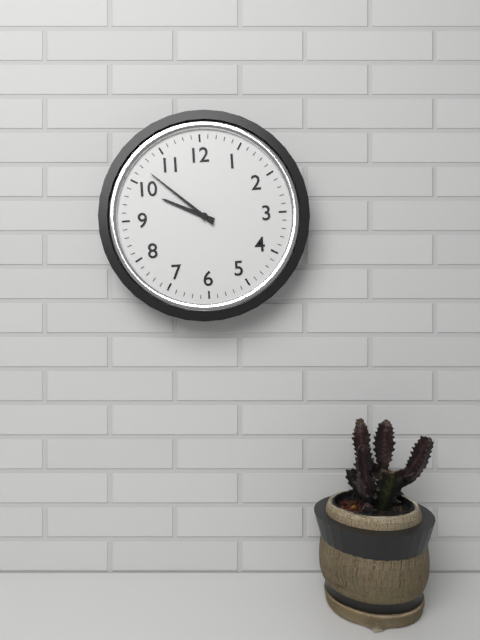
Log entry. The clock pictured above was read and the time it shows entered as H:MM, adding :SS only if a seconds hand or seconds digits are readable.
9:52
